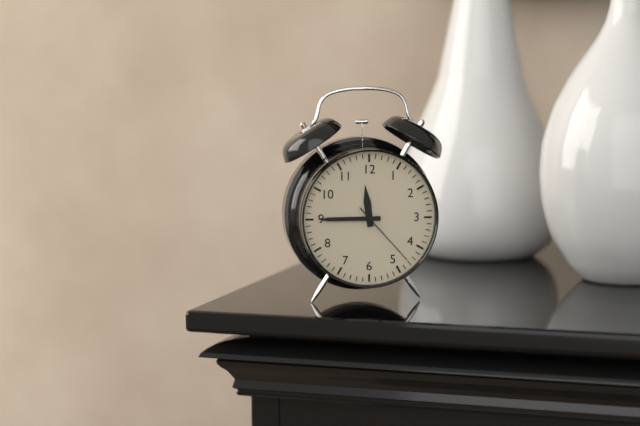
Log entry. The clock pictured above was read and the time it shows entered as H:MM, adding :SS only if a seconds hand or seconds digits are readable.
11:45:23
